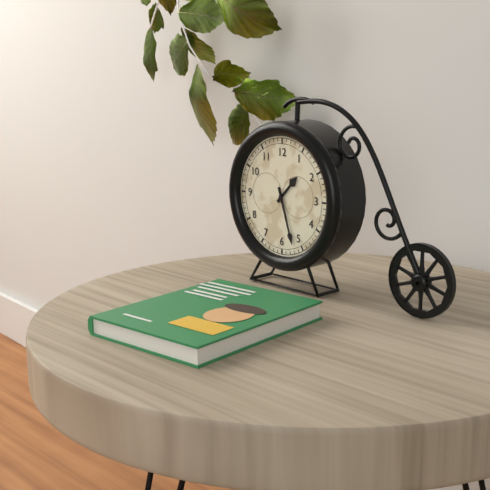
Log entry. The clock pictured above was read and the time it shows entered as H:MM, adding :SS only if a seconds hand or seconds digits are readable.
1:27
